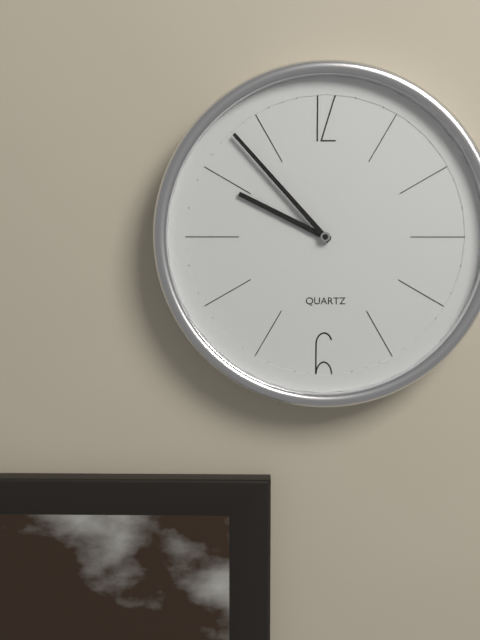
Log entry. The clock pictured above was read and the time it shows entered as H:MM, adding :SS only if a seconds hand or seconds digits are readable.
9:53
